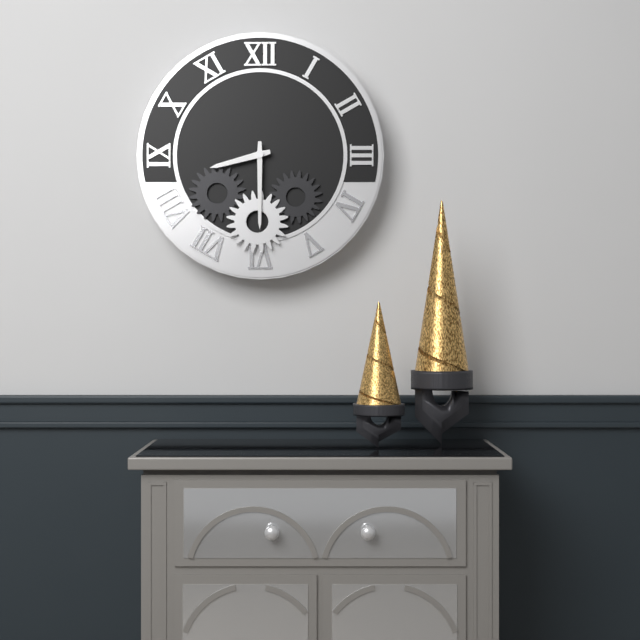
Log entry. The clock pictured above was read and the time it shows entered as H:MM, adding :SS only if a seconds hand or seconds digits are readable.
8:30
